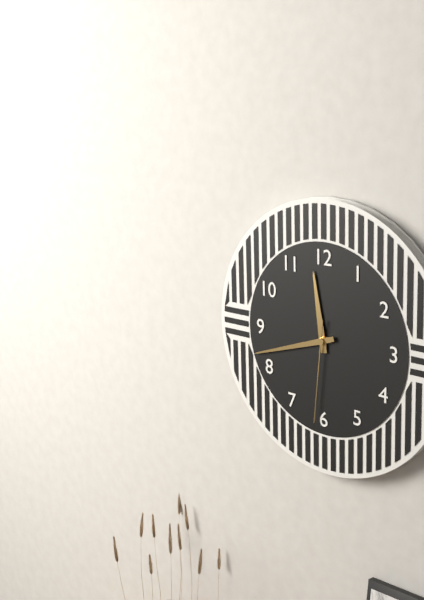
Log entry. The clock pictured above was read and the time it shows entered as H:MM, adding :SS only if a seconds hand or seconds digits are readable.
11:42:31
